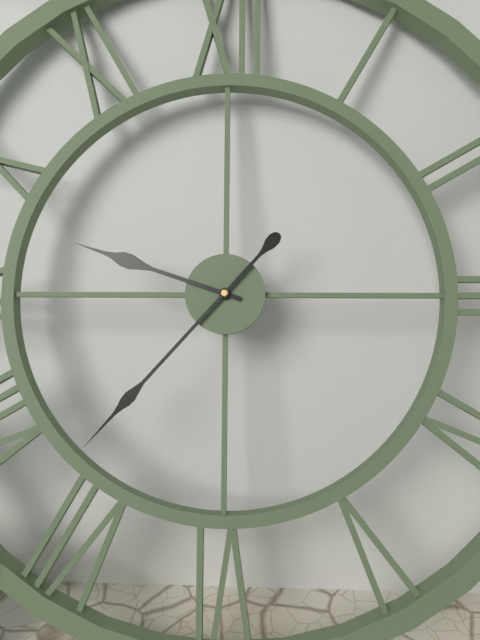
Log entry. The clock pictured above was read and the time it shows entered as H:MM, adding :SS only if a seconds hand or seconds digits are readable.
9:37
